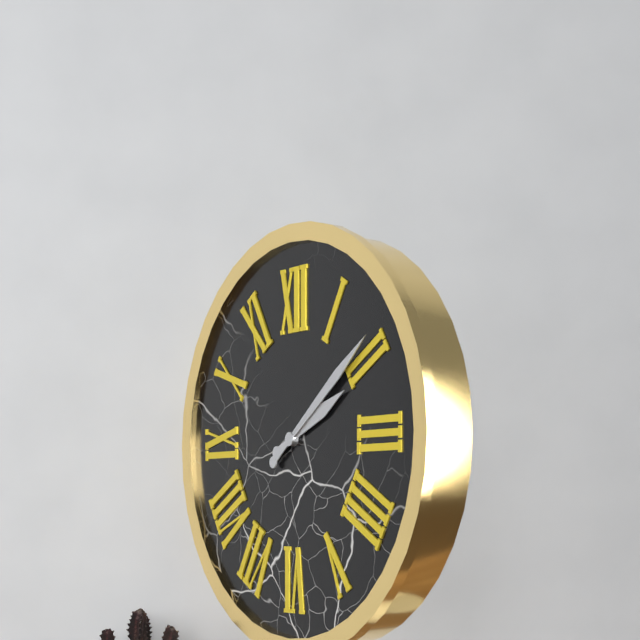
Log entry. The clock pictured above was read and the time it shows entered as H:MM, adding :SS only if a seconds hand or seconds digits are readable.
2:09
